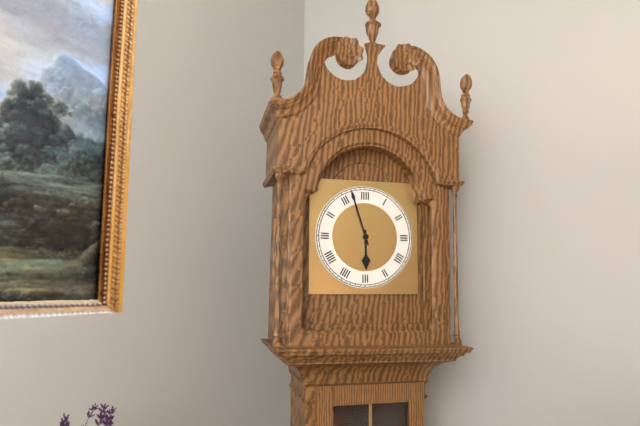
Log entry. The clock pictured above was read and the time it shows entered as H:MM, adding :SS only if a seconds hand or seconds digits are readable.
5:57
